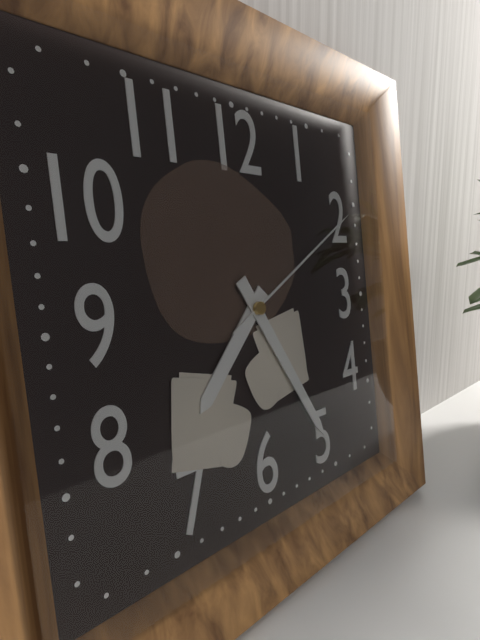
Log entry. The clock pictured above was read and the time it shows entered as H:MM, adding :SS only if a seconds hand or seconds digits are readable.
7:25:10
